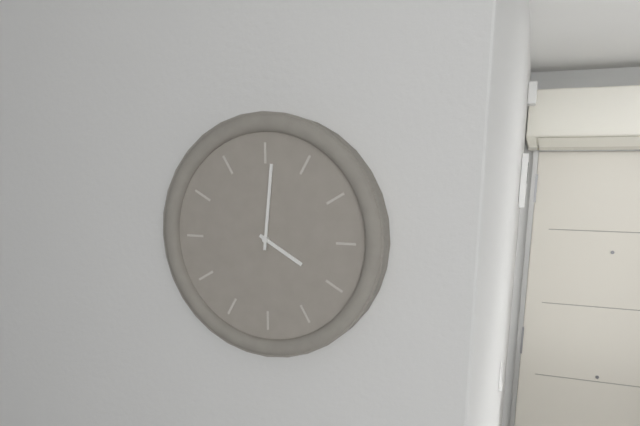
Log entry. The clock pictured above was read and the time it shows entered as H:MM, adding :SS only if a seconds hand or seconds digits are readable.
4:01
